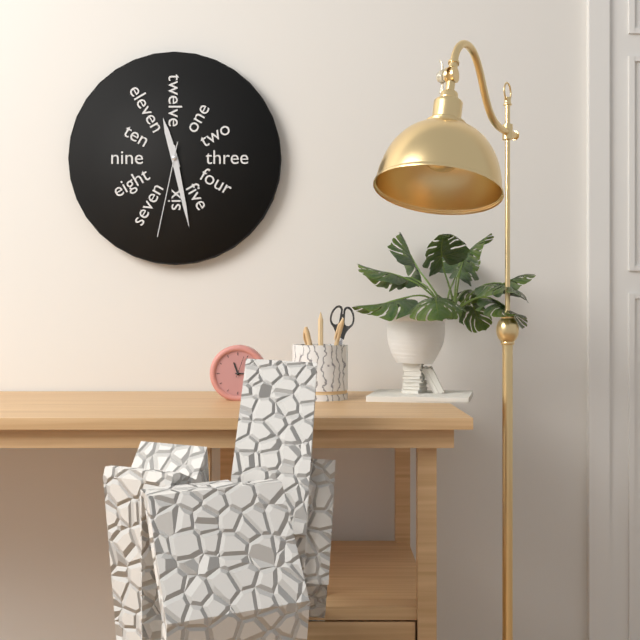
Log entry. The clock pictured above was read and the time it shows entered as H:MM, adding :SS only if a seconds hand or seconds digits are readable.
11:28:32
